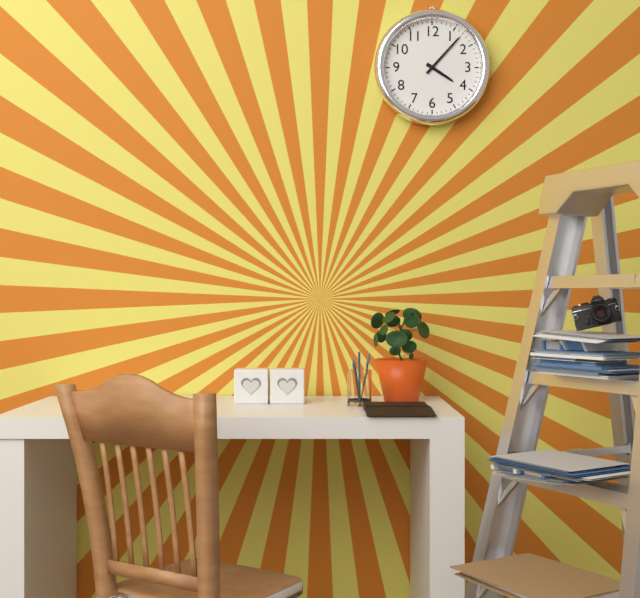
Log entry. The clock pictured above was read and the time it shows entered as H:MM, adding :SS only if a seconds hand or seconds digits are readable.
4:07
